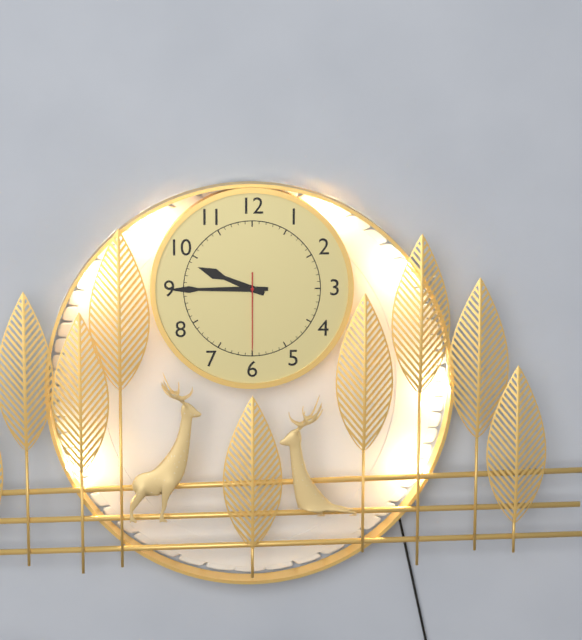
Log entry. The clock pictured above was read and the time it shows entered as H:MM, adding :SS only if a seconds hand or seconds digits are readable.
9:45:30
